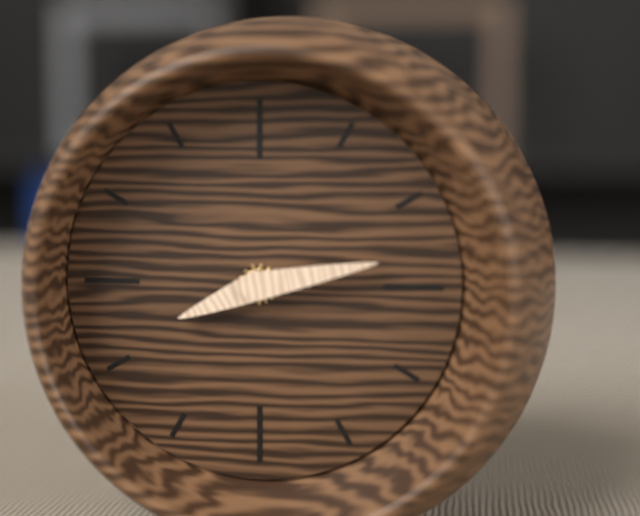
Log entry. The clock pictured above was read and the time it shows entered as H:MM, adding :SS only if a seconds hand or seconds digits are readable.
8:13
